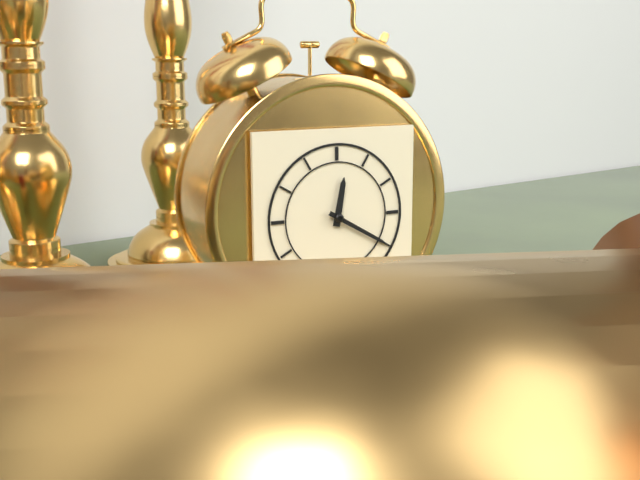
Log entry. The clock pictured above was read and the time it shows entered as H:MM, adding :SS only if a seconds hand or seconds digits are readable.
12:20
